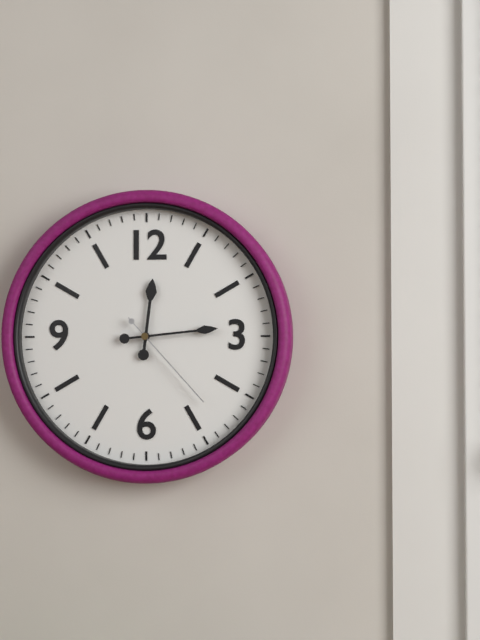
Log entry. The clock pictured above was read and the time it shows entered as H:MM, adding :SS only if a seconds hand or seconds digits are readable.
12:14:23
